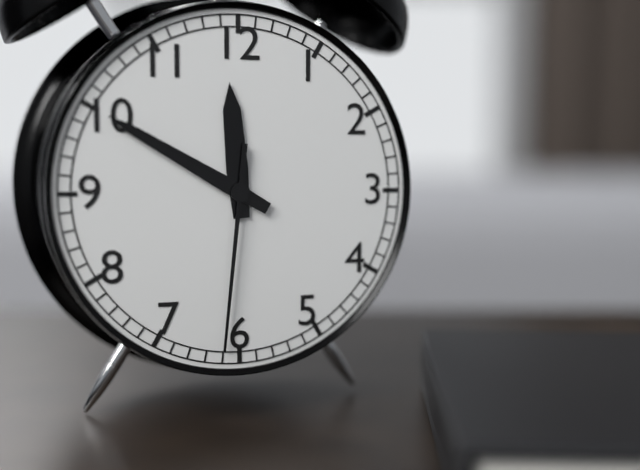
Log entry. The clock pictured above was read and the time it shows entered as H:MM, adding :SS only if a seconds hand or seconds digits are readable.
11:50:31
